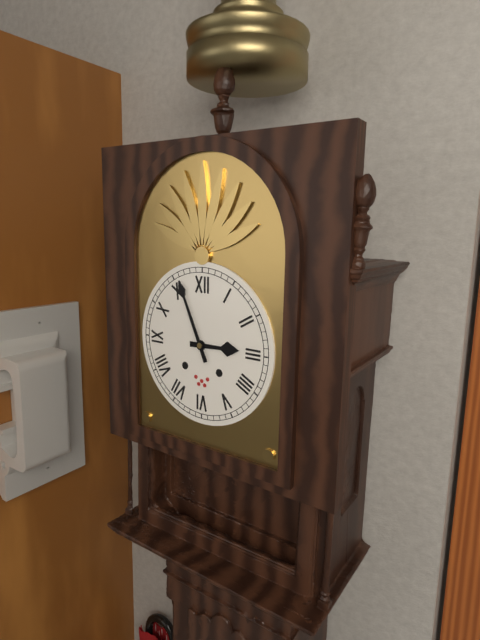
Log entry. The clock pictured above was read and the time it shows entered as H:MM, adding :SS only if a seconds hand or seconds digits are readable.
2:56
